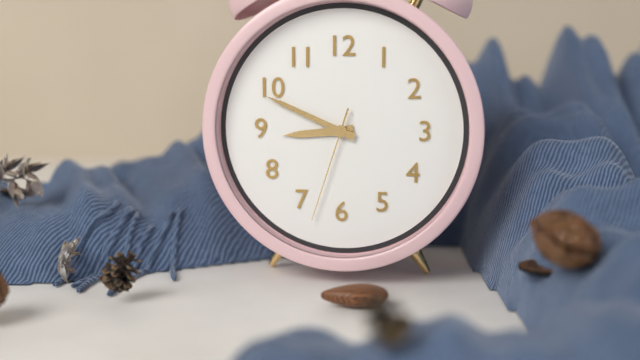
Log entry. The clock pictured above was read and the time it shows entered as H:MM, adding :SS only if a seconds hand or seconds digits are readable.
8:49:33
